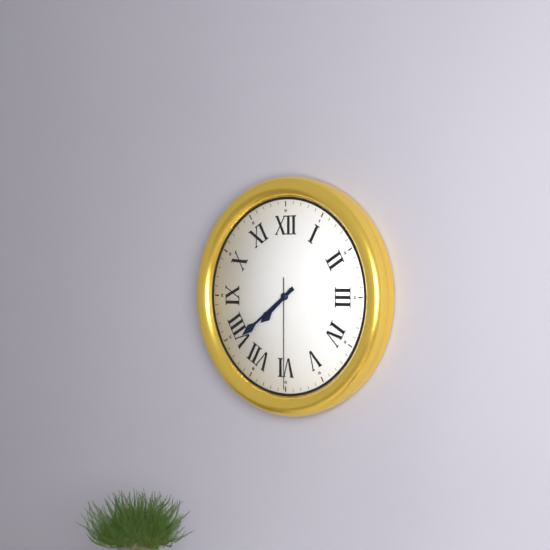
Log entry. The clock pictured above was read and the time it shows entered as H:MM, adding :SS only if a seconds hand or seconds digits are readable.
7:39:30
